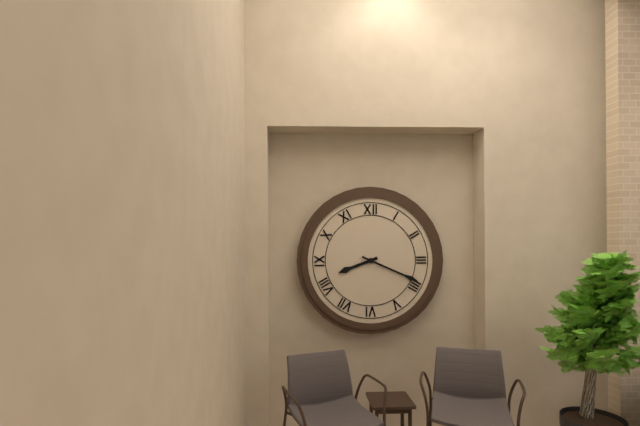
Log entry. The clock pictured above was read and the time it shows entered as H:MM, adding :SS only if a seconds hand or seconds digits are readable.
8:19
